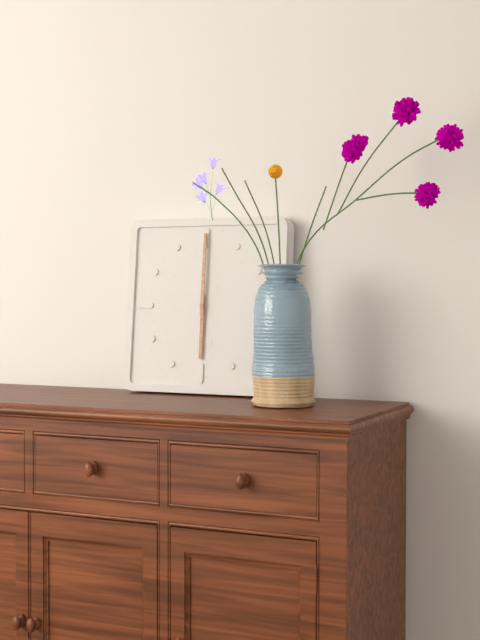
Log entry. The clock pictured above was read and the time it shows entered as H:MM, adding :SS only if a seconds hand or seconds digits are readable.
6:00
